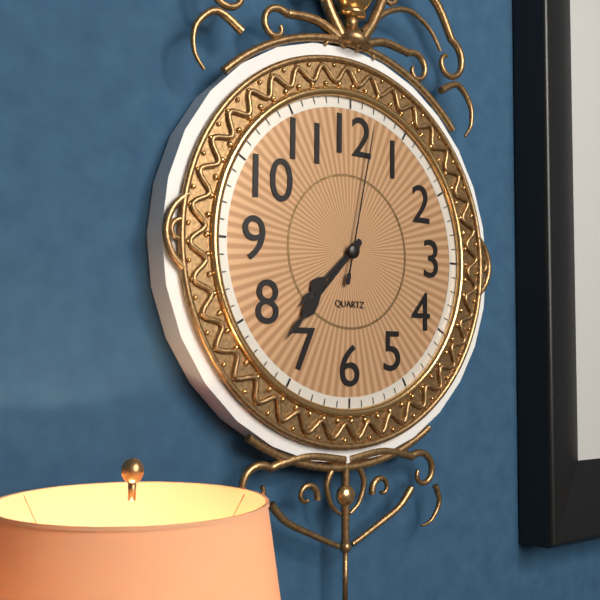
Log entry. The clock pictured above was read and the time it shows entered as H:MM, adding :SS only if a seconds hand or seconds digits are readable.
7:37:02
